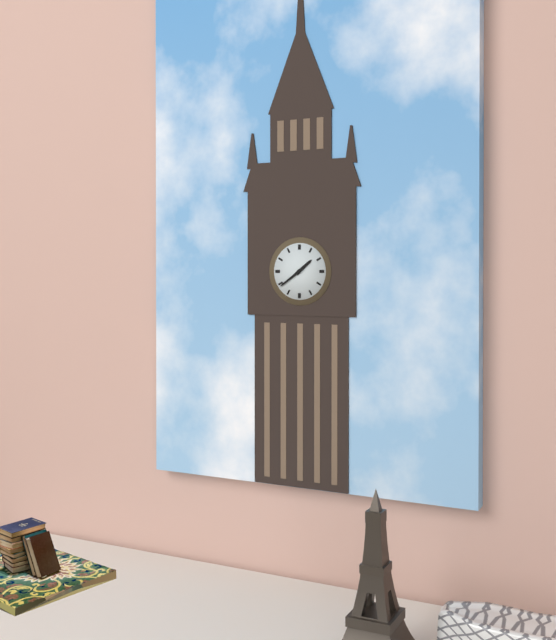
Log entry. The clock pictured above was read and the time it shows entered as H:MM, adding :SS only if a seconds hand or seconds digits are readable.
1:39
